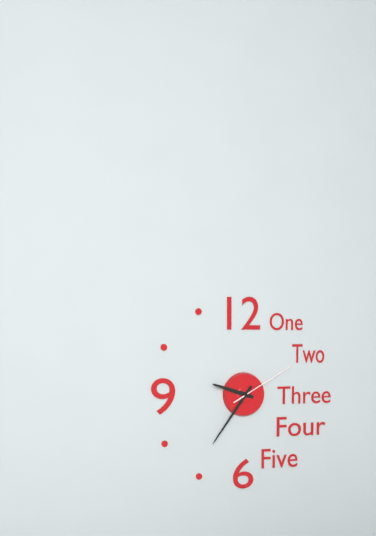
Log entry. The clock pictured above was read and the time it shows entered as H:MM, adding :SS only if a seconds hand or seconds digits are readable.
9:36:10
